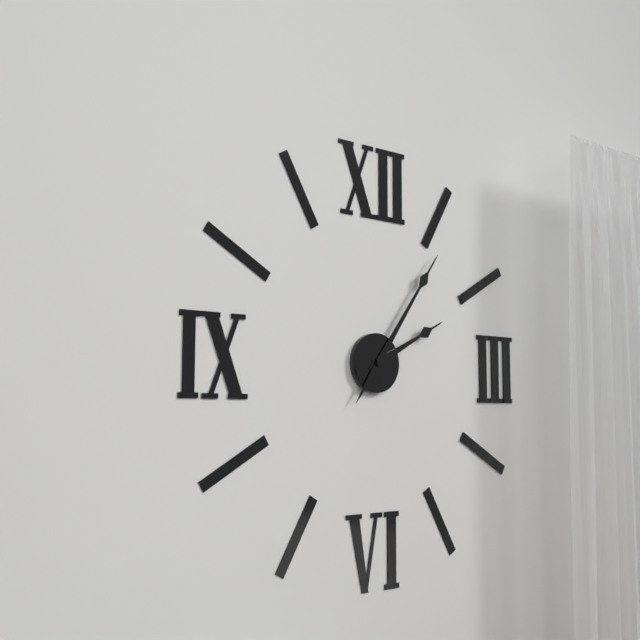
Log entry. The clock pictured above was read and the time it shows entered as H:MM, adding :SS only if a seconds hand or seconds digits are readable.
2:06
